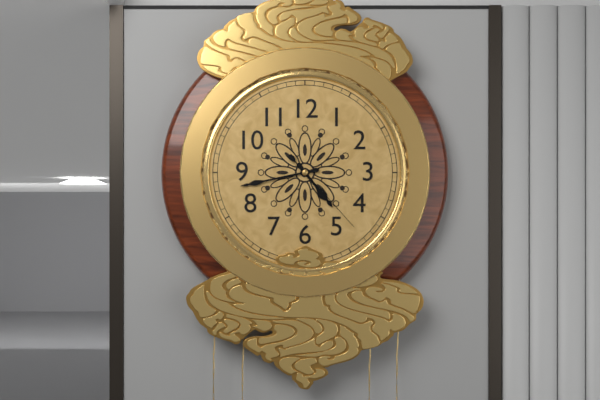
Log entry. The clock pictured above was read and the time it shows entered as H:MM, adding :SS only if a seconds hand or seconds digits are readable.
4:43:23
